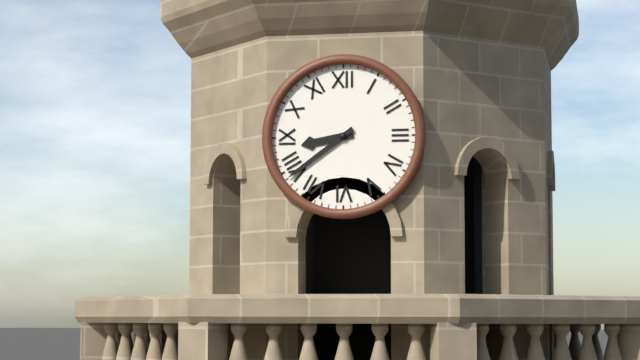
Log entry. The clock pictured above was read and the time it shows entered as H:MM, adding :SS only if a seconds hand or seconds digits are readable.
8:39
